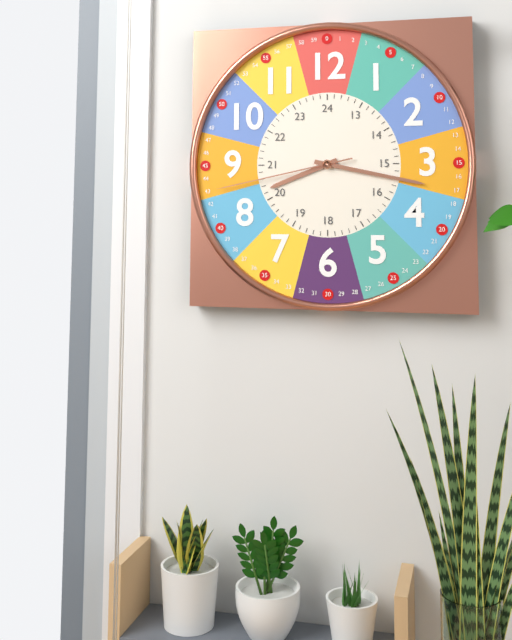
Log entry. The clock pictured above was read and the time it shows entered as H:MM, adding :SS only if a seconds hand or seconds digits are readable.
8:17:43
